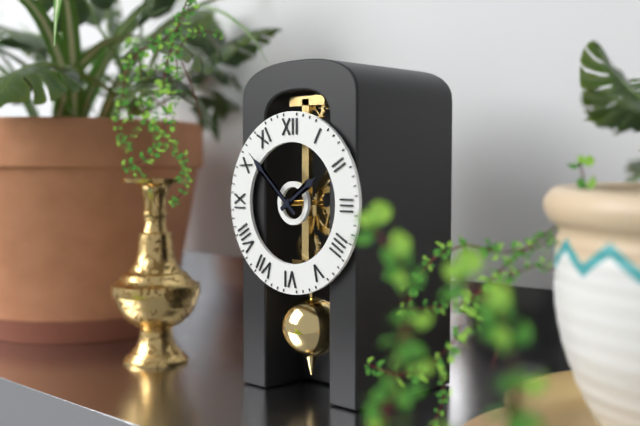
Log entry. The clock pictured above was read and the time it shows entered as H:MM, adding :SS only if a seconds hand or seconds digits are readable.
1:52
